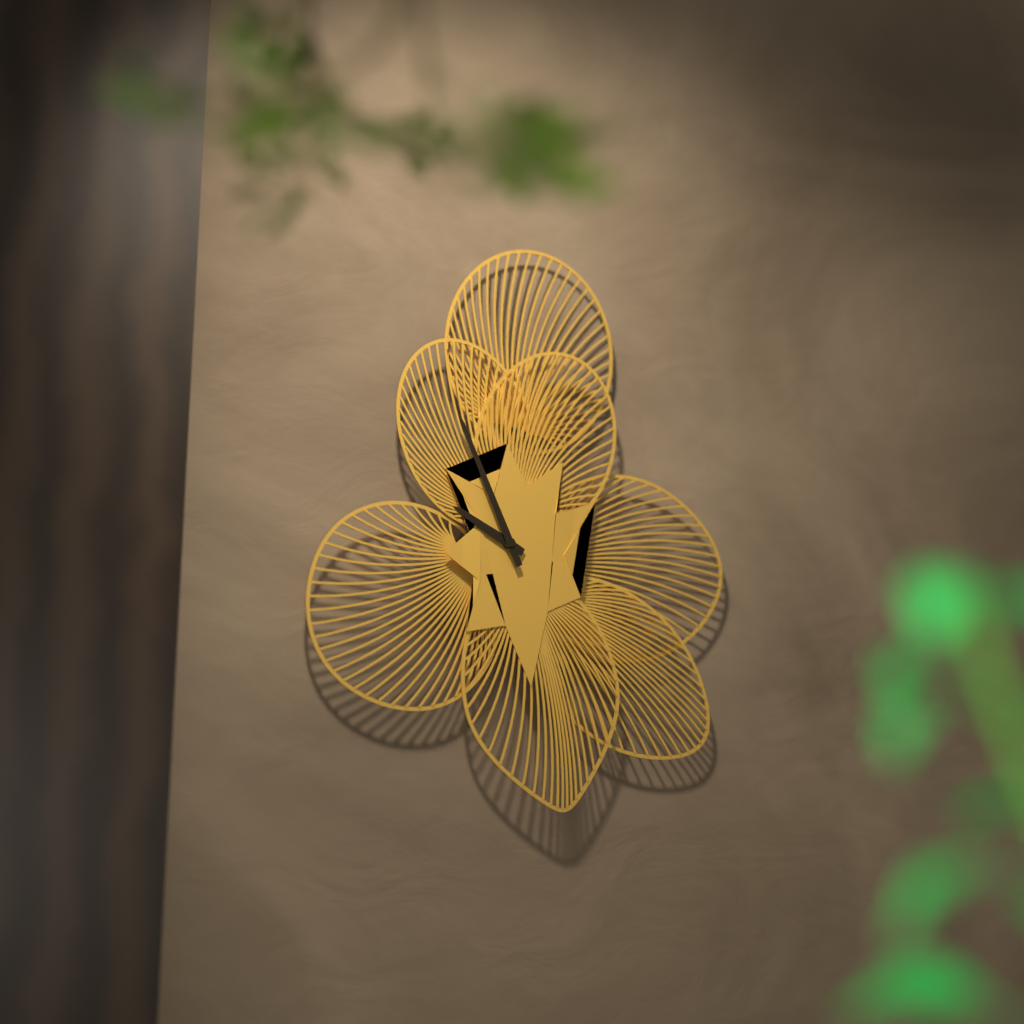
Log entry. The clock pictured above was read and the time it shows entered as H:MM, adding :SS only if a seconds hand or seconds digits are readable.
9:56
